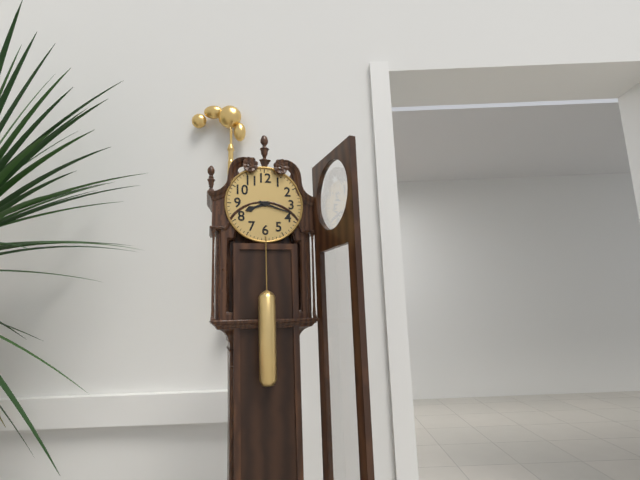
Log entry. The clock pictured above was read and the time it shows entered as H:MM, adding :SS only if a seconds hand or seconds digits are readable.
8:18
